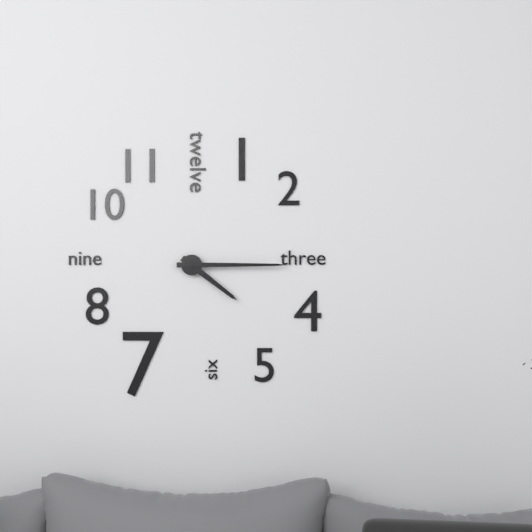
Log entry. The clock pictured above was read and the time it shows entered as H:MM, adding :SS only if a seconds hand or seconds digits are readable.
4:15
